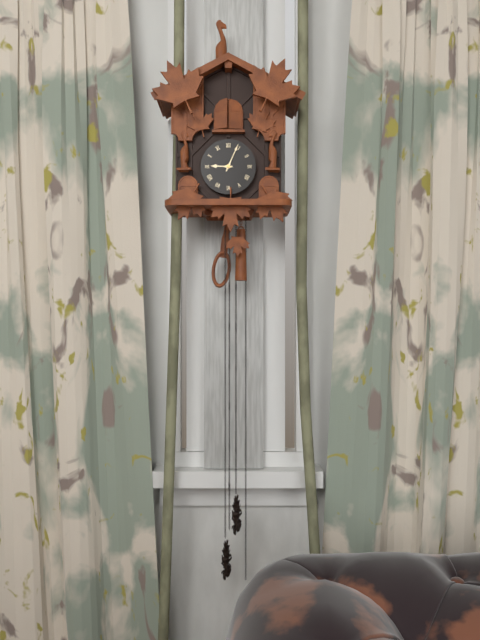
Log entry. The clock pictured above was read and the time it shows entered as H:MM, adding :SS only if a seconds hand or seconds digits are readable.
9:04
